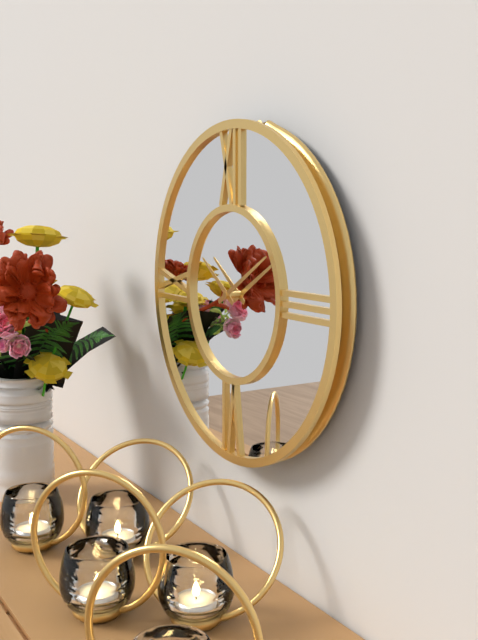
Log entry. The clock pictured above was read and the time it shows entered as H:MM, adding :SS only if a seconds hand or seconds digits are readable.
10:10
